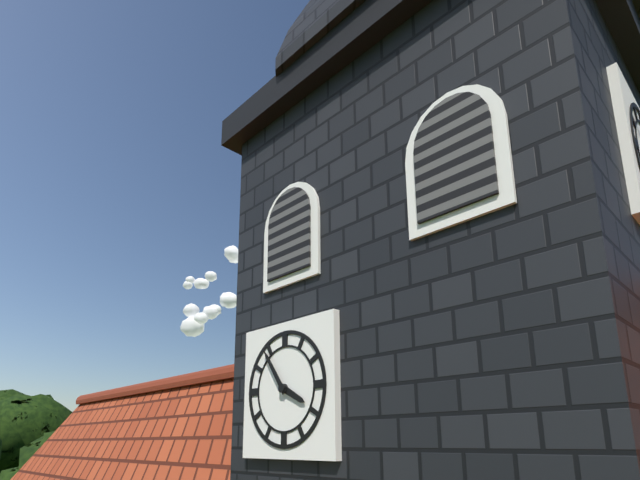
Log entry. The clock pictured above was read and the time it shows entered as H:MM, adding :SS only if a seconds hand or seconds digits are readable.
3:54
